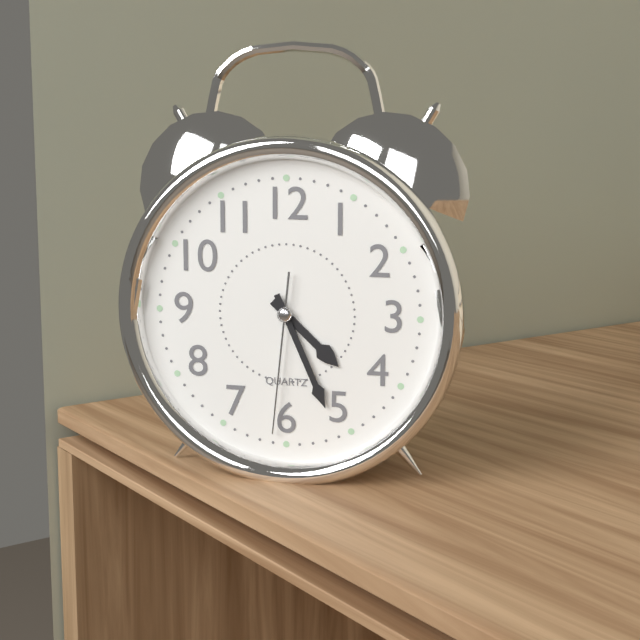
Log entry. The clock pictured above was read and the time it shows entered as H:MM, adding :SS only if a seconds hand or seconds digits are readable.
4:26:31
